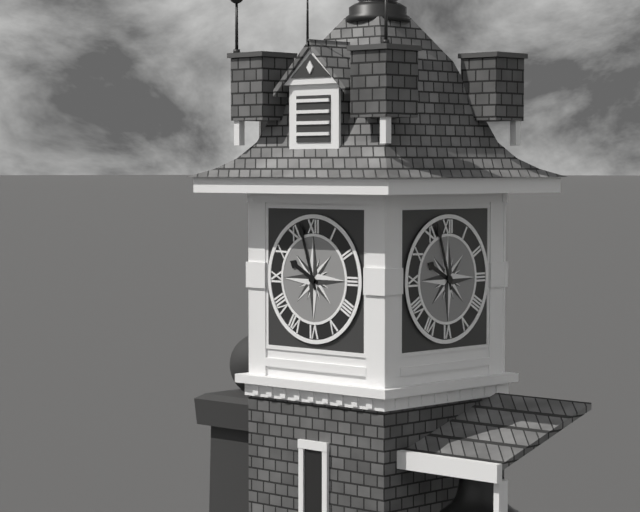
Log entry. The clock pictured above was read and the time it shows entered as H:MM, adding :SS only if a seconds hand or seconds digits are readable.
9:57
